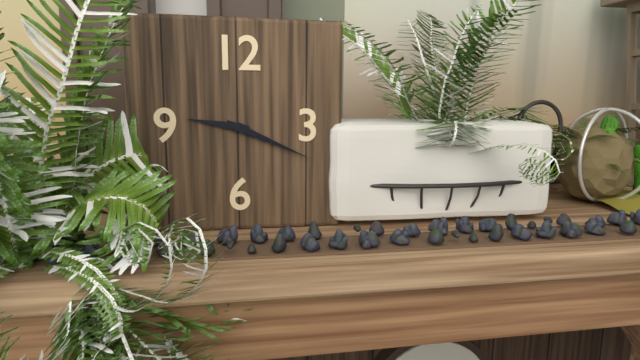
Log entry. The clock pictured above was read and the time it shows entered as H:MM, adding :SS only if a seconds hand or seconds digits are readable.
9:19
